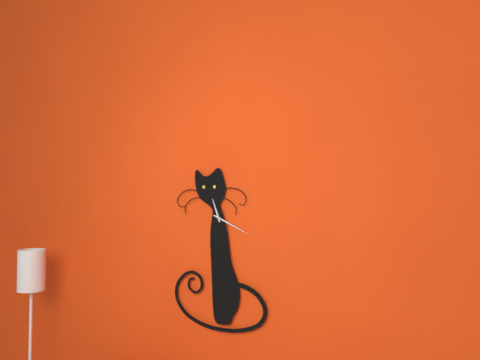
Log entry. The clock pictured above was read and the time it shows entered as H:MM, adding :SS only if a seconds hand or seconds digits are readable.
11:19
